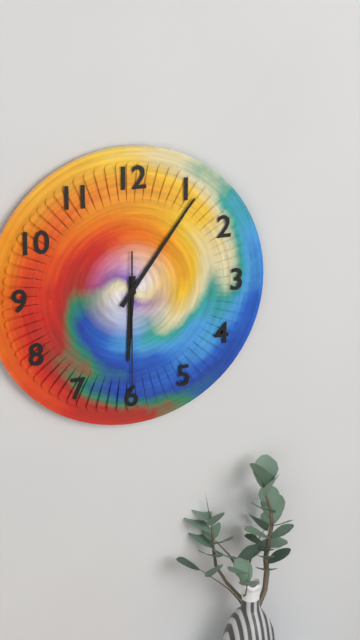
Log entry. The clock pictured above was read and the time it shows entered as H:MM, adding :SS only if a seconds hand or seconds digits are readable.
6:06:30
